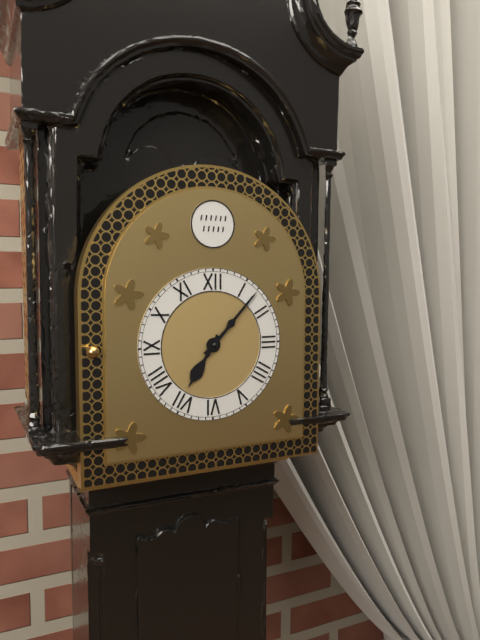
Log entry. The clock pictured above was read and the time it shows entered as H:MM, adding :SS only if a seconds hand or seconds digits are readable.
7:07
